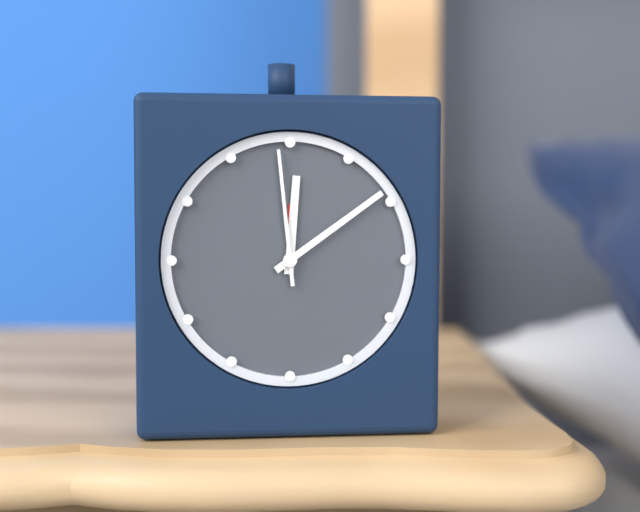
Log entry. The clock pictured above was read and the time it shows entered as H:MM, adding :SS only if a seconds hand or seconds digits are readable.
12:09:59
